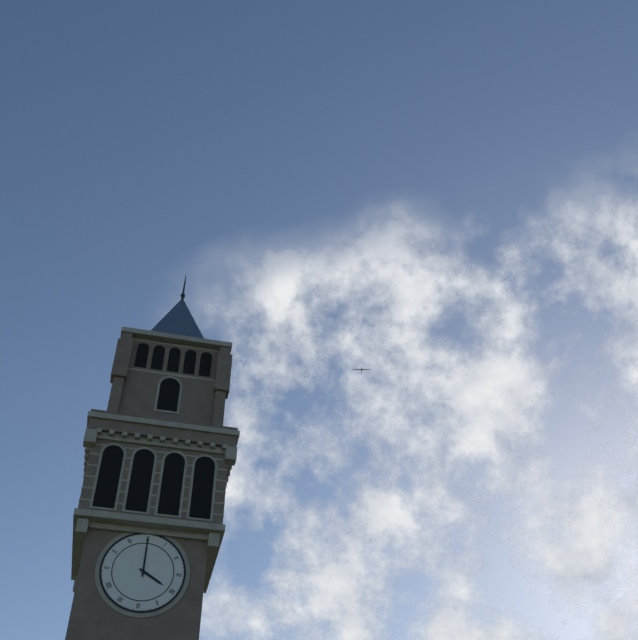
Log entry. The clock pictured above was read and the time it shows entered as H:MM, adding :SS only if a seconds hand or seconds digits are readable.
4:00
